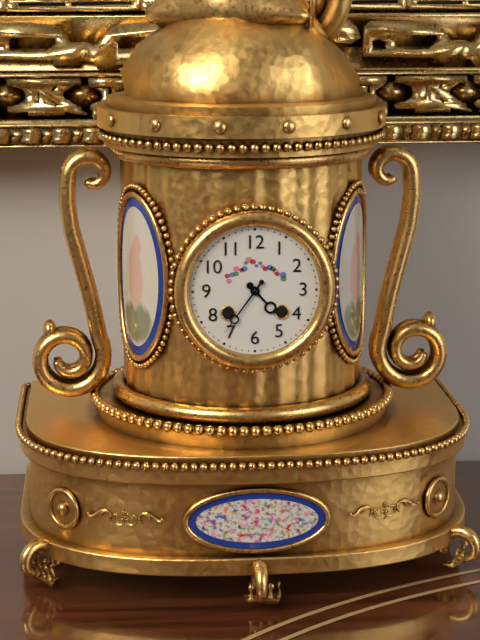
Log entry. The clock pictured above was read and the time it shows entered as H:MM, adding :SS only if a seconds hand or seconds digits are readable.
4:36
